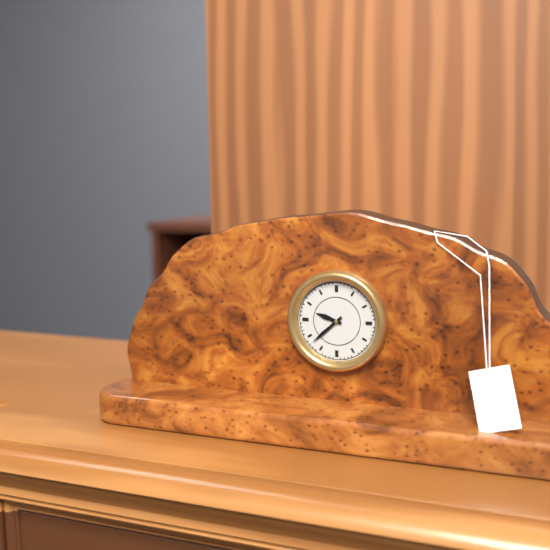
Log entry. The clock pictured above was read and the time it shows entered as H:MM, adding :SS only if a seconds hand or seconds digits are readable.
9:38
